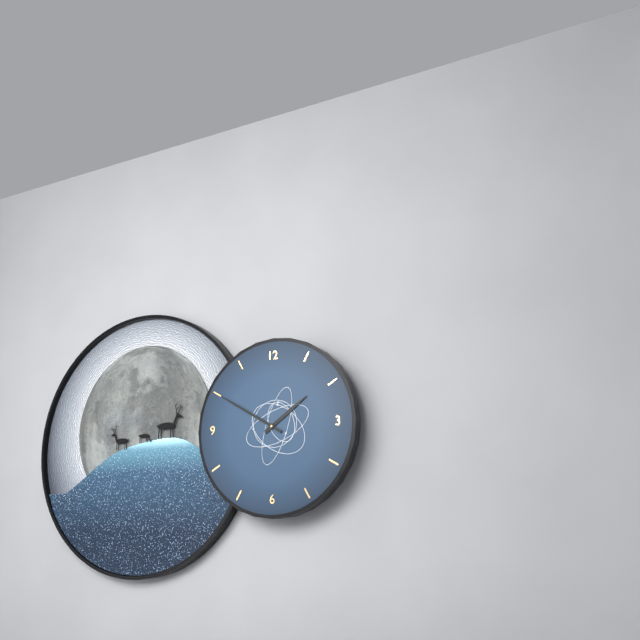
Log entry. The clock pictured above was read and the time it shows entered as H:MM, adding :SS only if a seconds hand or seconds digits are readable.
1:50
